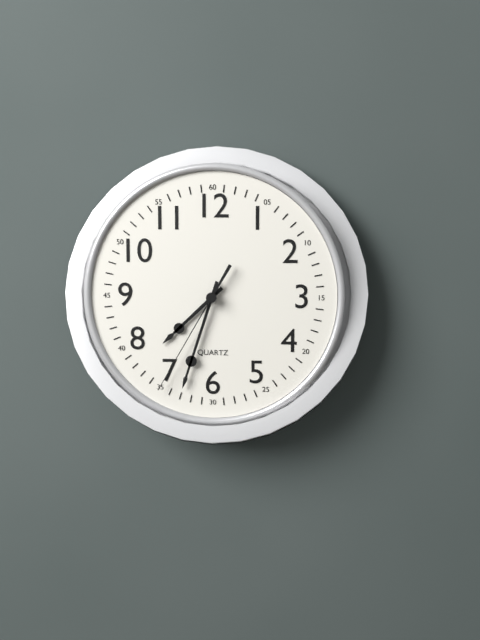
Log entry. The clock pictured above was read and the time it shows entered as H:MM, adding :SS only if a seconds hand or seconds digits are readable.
7:33:35
